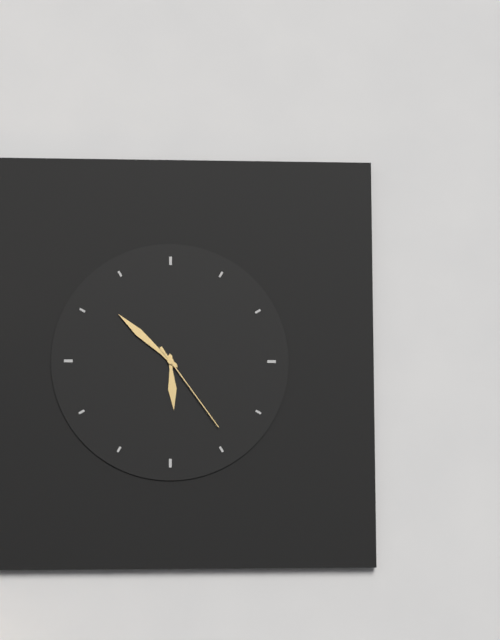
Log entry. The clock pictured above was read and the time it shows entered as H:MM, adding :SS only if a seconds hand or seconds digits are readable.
5:52:24
